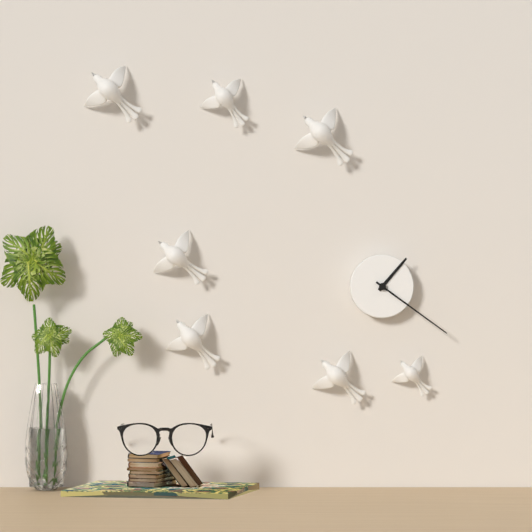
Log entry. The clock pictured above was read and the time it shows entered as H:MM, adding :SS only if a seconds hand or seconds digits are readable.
1:21
